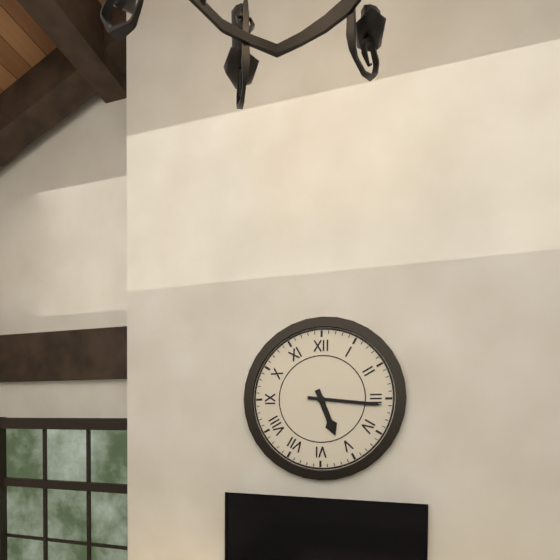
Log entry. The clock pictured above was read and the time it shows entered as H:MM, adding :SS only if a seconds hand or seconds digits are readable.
5:16
